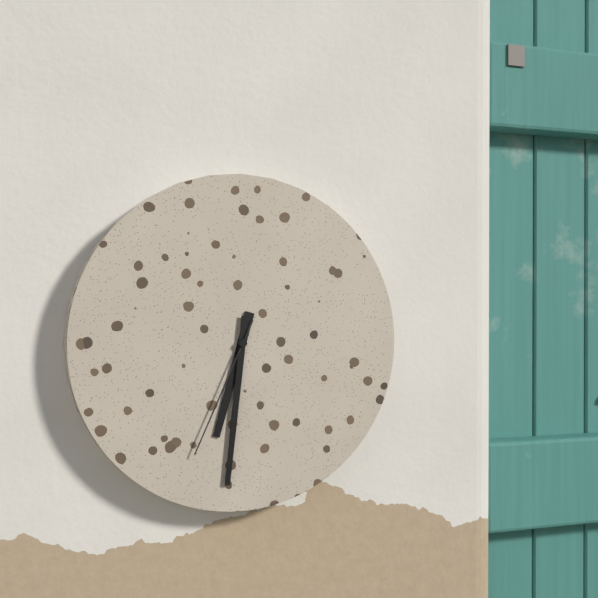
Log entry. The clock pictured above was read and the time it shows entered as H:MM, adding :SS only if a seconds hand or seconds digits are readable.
6:31:34
